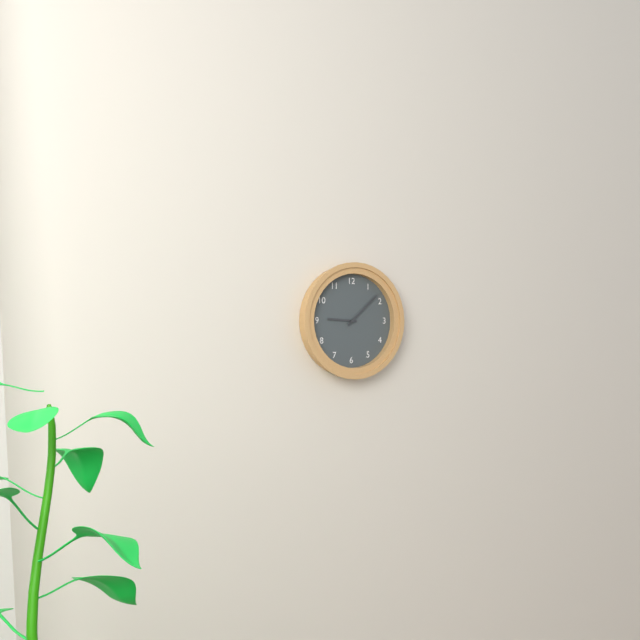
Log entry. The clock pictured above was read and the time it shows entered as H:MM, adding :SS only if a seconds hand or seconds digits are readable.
9:08
